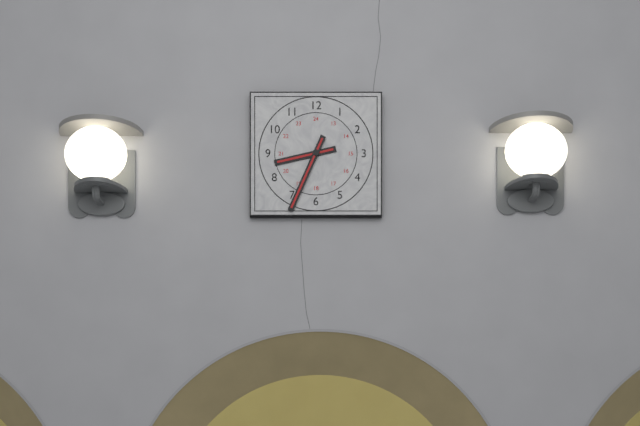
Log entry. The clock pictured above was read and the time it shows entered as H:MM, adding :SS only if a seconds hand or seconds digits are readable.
8:34
